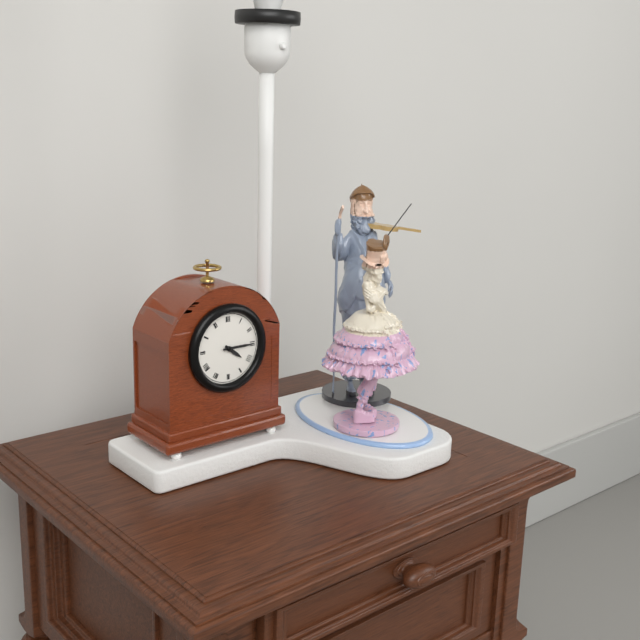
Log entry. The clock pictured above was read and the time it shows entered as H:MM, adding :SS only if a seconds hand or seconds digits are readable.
4:15
